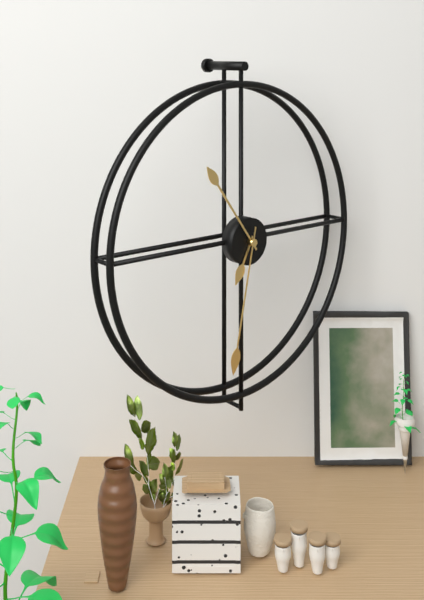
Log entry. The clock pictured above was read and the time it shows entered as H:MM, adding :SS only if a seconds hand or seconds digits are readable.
6:54:32
